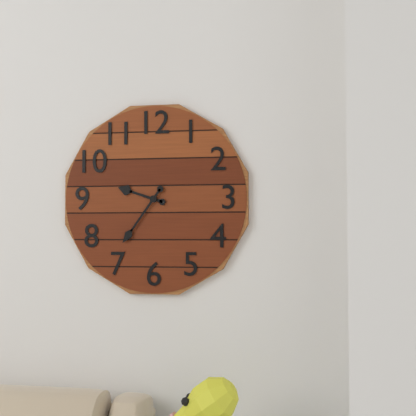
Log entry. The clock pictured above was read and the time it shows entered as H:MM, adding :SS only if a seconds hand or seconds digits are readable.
9:36
